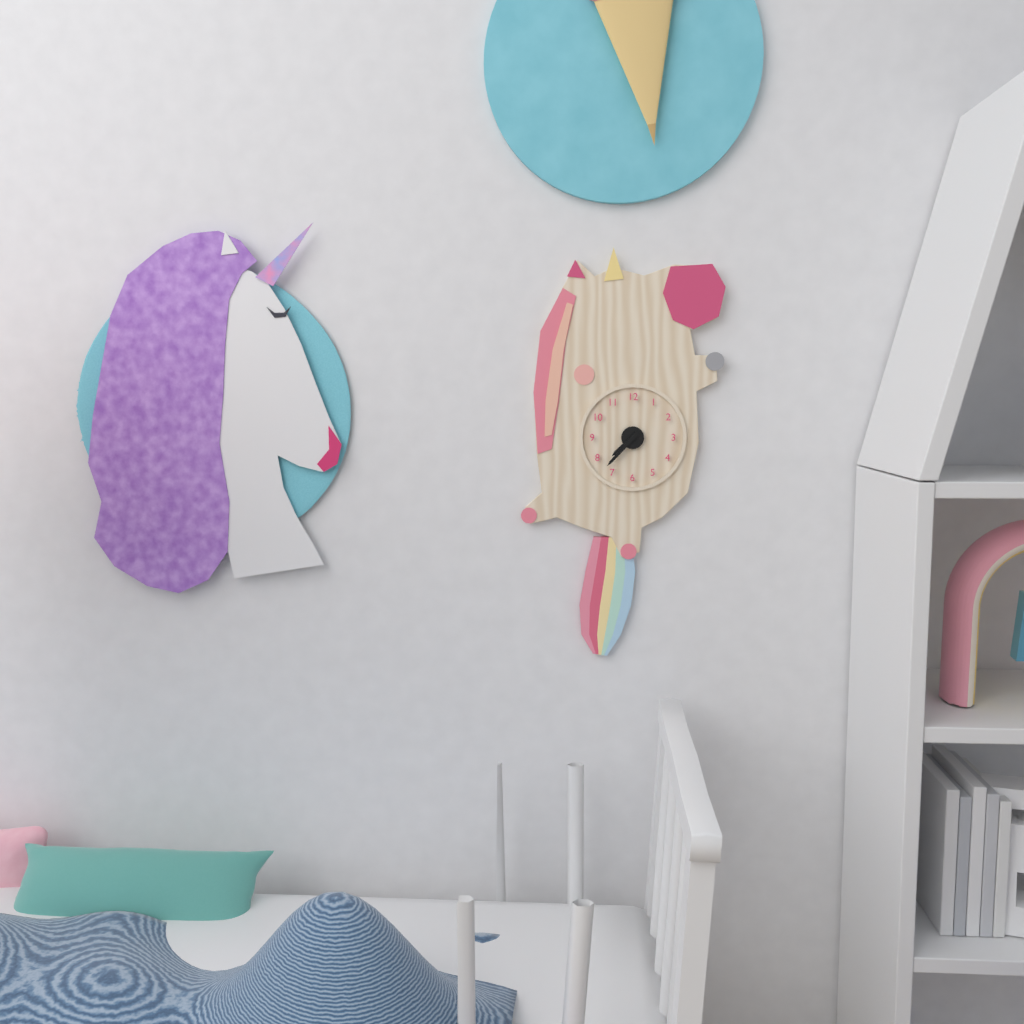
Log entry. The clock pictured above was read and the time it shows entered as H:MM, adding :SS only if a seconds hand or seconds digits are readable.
7:37
